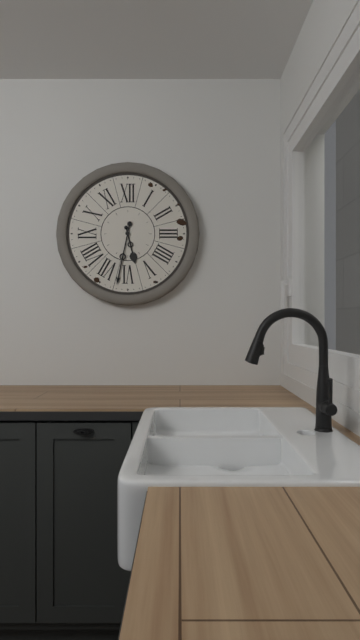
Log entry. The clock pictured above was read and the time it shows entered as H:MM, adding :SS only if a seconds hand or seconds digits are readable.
5:32
